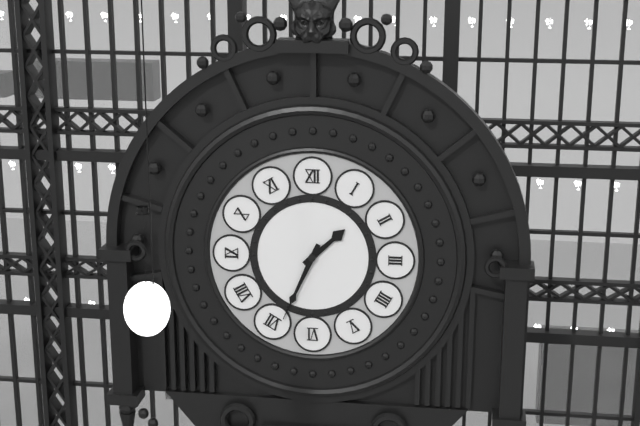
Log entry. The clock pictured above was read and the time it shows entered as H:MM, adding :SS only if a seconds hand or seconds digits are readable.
1:34
